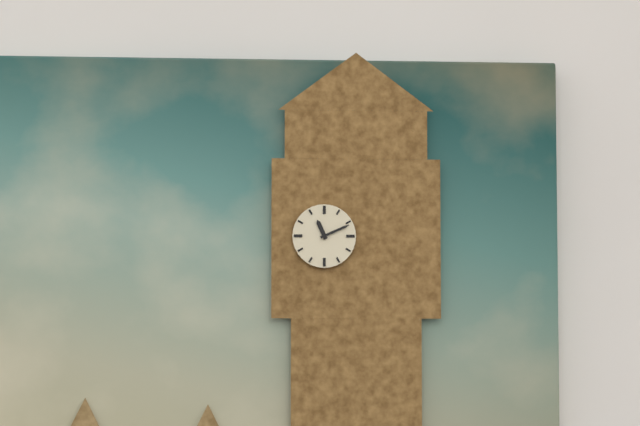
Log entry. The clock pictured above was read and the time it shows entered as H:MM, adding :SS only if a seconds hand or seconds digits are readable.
11:11
